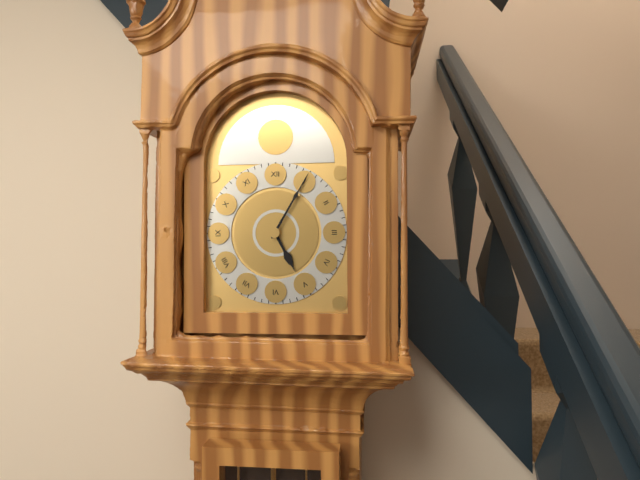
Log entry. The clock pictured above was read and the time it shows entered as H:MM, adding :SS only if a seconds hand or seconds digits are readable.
5:05
